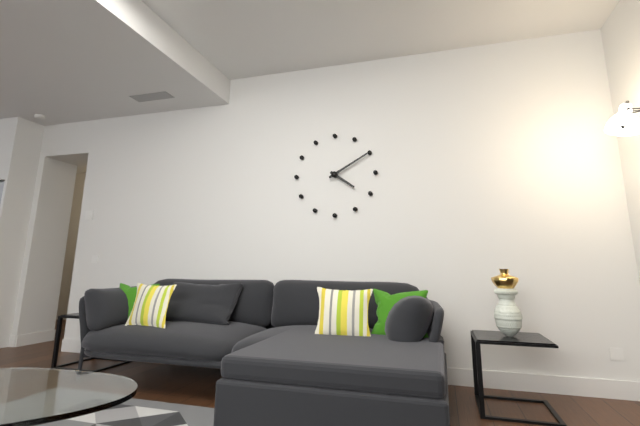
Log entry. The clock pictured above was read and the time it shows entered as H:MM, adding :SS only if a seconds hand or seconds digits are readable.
4:10
